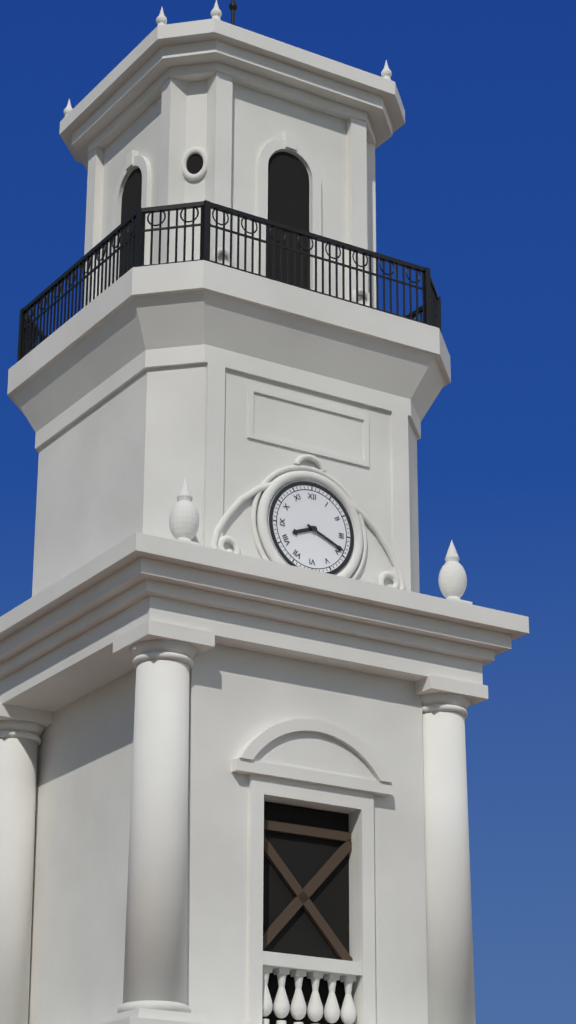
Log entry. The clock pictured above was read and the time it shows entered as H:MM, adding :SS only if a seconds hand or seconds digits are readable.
8:19
